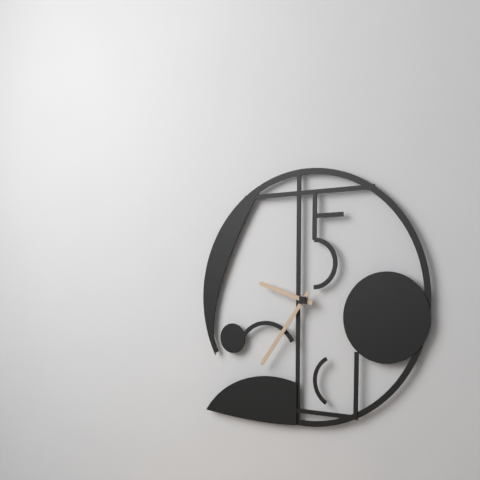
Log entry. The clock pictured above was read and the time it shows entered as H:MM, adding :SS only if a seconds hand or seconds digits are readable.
9:36
